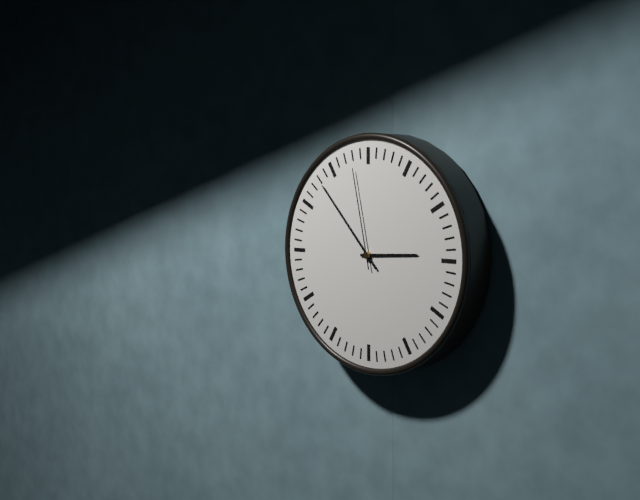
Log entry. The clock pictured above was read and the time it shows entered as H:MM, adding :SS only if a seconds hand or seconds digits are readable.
2:53:58
